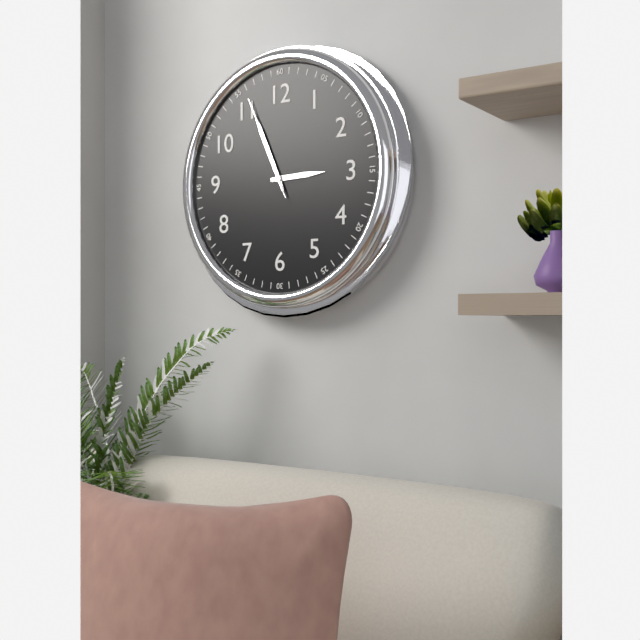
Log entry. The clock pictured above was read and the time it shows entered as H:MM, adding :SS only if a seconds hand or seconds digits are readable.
2:56:56
